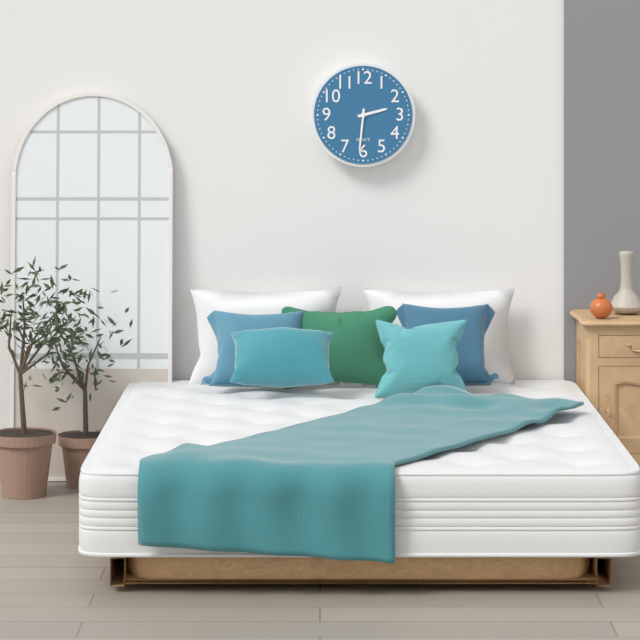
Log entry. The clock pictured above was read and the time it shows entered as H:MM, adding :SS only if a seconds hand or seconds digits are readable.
2:31
